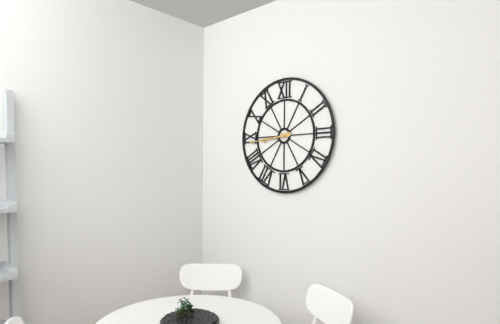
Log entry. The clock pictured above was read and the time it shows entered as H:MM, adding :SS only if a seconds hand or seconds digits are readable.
8:44
